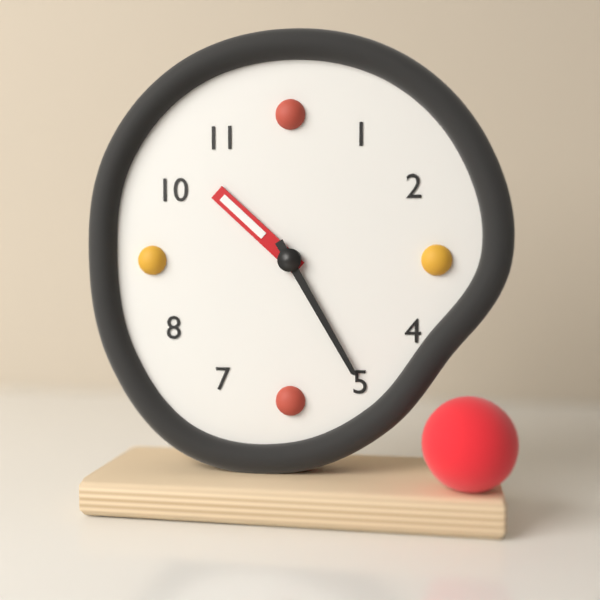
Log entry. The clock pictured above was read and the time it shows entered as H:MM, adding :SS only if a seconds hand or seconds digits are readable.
10:25
